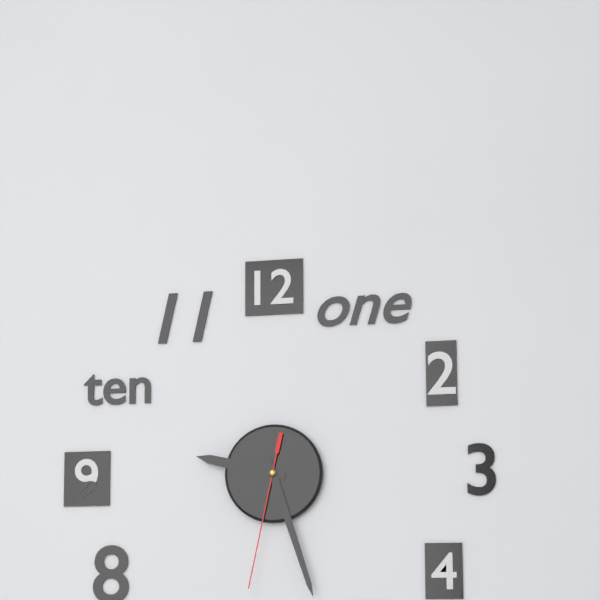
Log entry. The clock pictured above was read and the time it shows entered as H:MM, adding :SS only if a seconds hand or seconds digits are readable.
9:27:32
